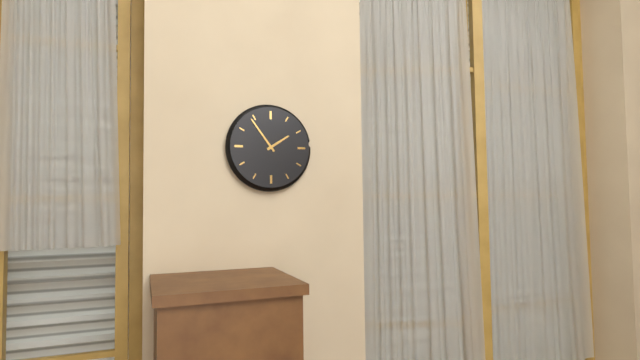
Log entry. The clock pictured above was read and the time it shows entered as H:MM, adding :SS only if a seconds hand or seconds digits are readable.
1:54
